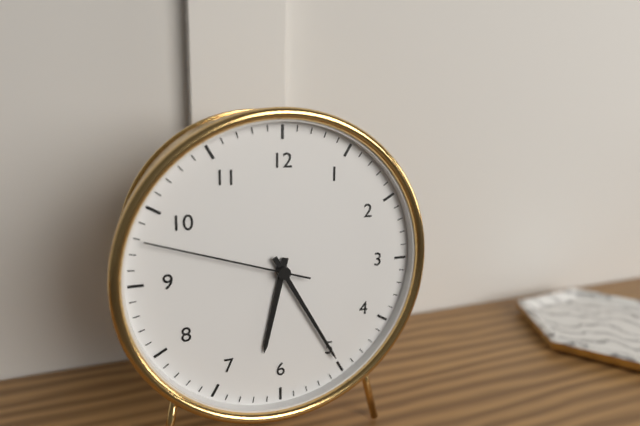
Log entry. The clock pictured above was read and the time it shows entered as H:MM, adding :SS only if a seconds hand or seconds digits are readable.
6:25:48
